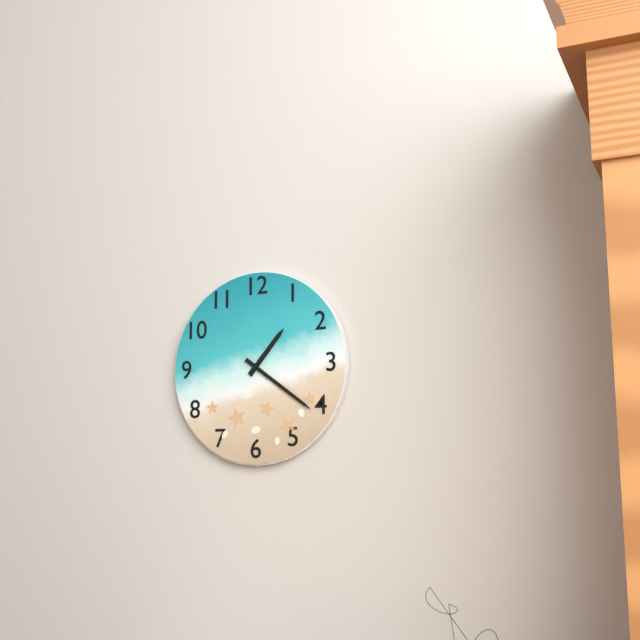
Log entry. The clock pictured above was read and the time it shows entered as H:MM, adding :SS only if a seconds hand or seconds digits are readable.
1:21
